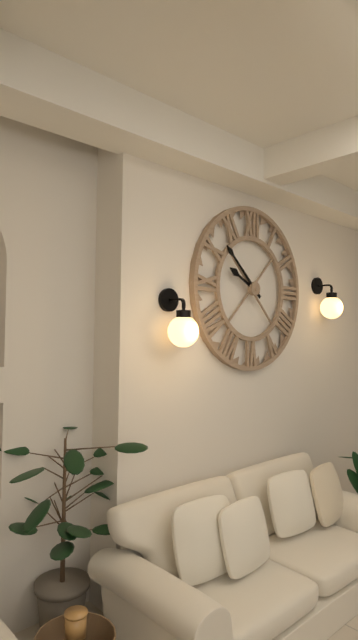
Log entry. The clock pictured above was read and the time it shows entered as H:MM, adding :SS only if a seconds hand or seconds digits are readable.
9:52
